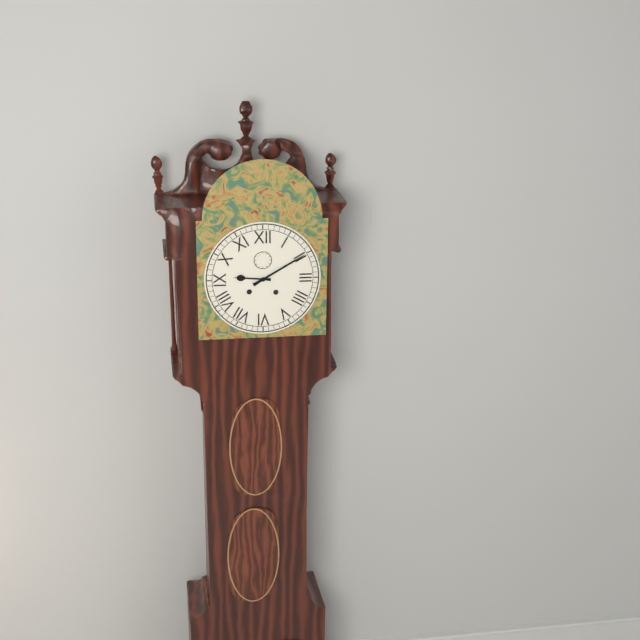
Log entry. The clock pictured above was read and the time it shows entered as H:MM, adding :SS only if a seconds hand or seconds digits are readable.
9:10
